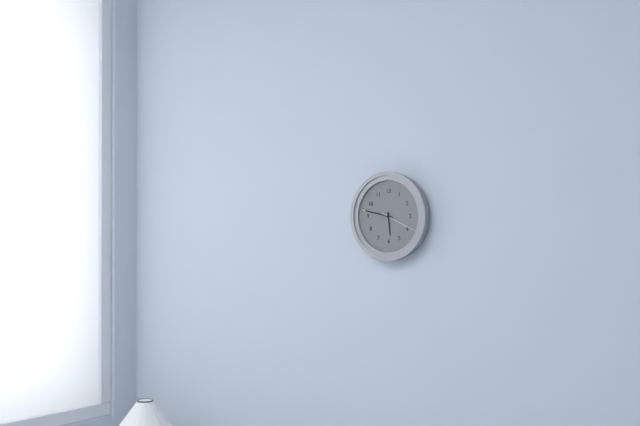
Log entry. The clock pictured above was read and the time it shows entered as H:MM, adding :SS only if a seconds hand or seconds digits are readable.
5:47
